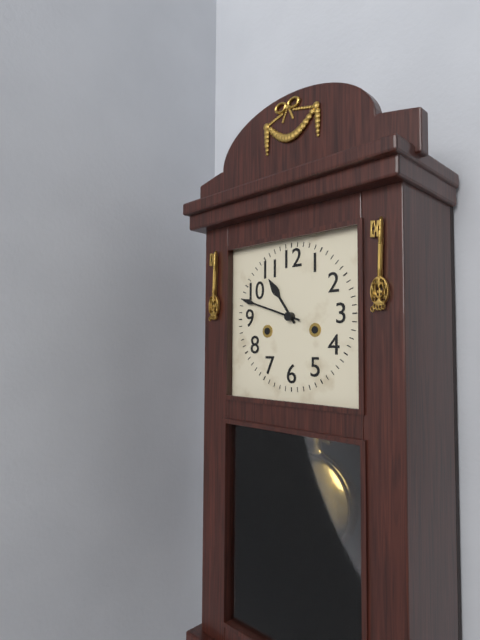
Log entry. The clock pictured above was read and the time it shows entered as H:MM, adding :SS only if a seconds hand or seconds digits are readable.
10:48
